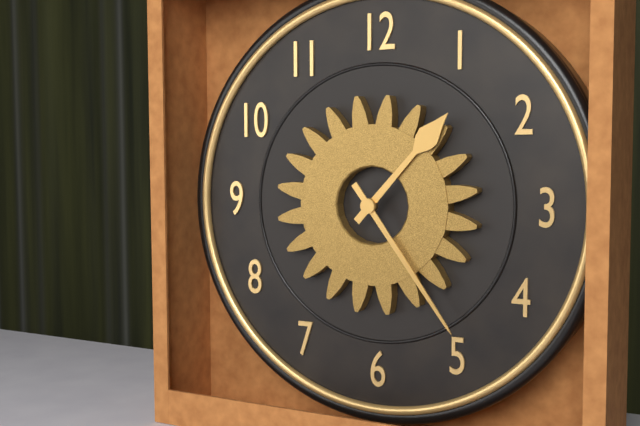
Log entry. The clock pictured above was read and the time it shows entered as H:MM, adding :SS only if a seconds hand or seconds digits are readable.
1:24
